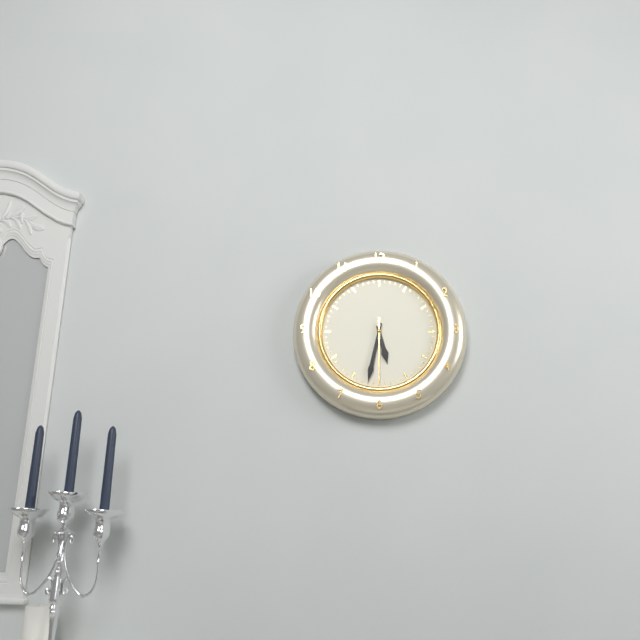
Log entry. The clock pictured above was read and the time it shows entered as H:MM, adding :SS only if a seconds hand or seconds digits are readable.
5:32:30
